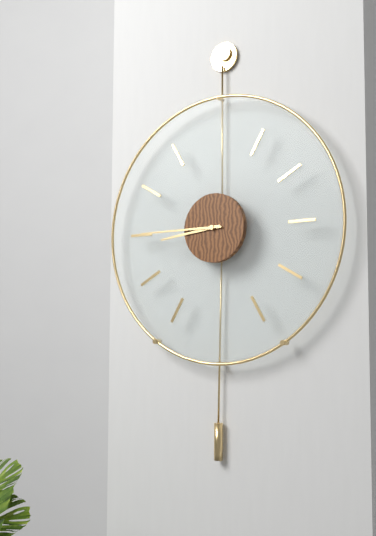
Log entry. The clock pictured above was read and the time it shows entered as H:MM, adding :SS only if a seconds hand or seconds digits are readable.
8:45
